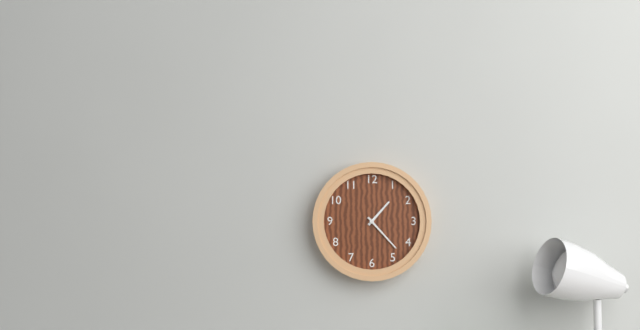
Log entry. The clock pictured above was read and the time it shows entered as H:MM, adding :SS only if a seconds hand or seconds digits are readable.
1:23
